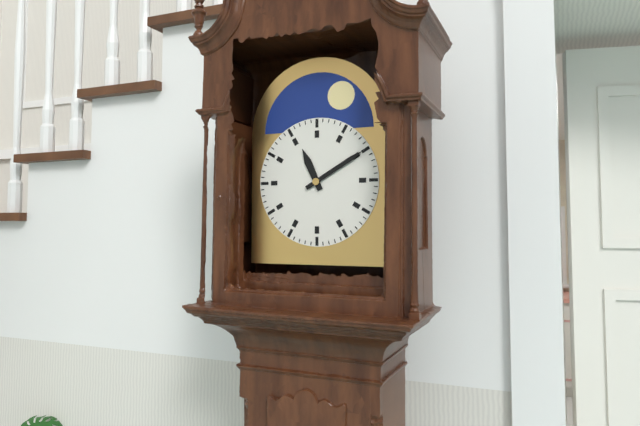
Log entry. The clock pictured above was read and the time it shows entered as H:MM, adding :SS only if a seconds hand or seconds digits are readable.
11:10
